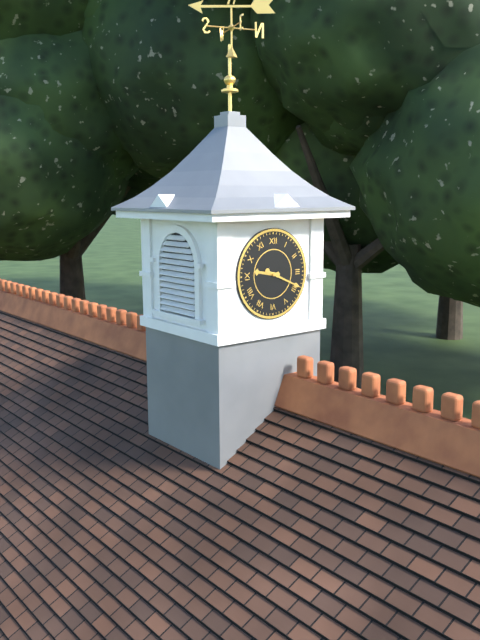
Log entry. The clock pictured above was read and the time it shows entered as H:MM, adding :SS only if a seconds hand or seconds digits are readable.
9:19
